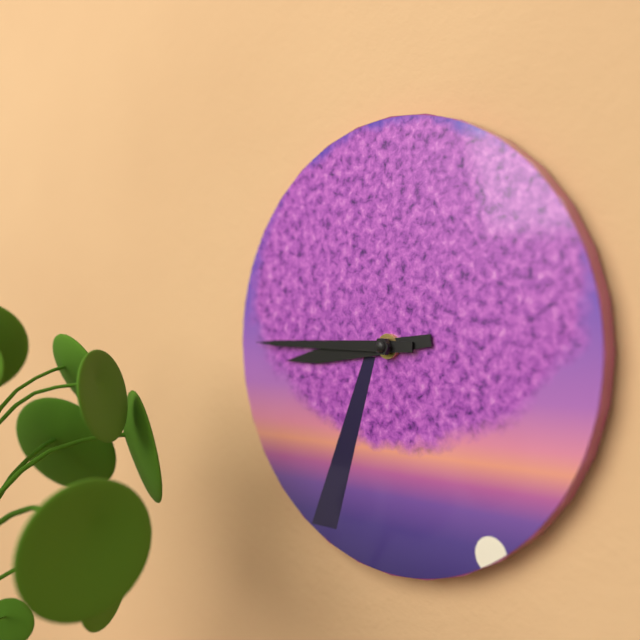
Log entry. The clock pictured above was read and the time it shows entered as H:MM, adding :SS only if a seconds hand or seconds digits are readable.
8:45
